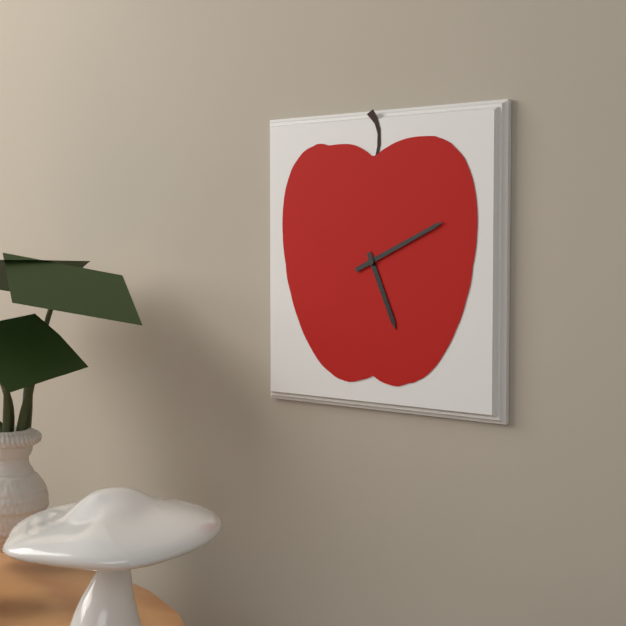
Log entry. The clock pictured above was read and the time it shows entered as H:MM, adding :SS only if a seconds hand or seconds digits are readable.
5:11
